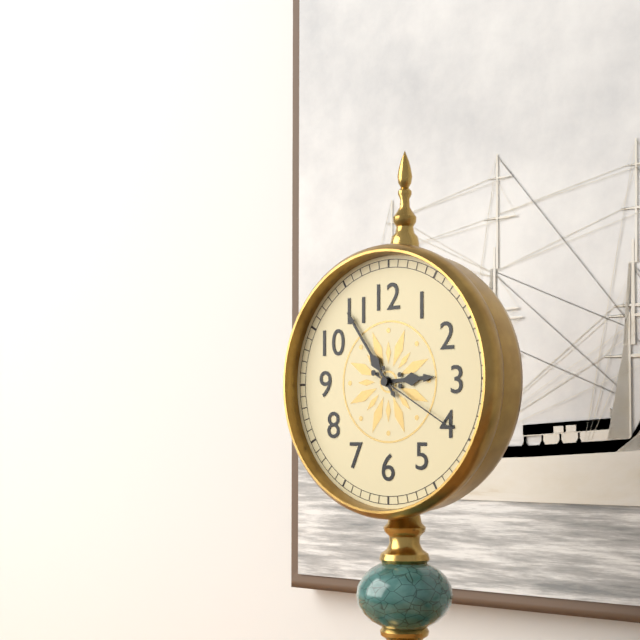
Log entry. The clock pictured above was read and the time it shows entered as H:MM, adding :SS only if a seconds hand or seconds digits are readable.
2:54:20
